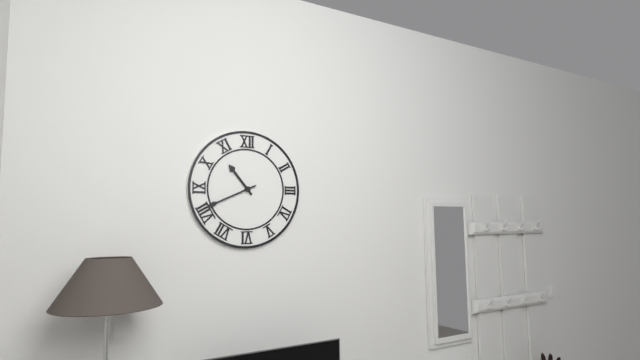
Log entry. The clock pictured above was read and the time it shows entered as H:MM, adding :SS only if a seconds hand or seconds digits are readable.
10:41
